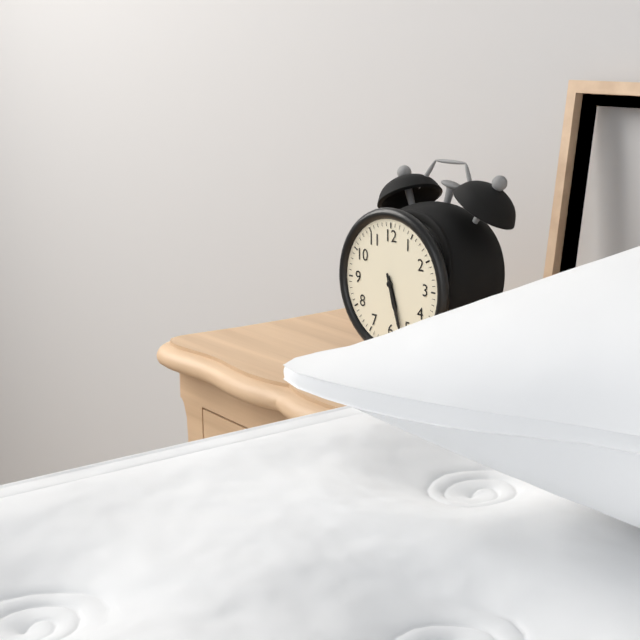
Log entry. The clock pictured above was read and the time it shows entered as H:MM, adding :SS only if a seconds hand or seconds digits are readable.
5:27
